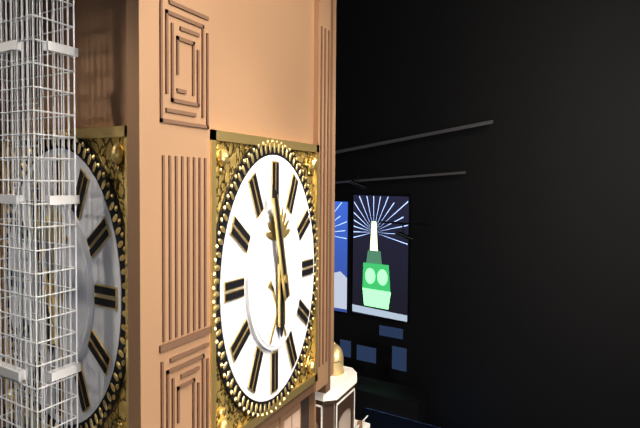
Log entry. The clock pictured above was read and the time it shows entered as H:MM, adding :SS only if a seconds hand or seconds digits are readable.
5:57
